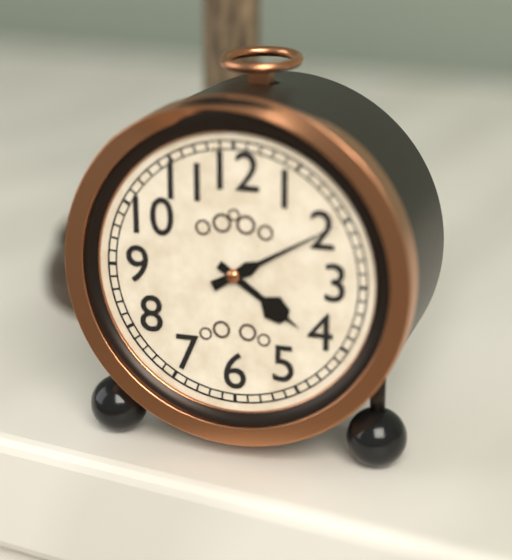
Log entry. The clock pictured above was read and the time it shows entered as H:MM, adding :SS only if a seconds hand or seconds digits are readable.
4:10
